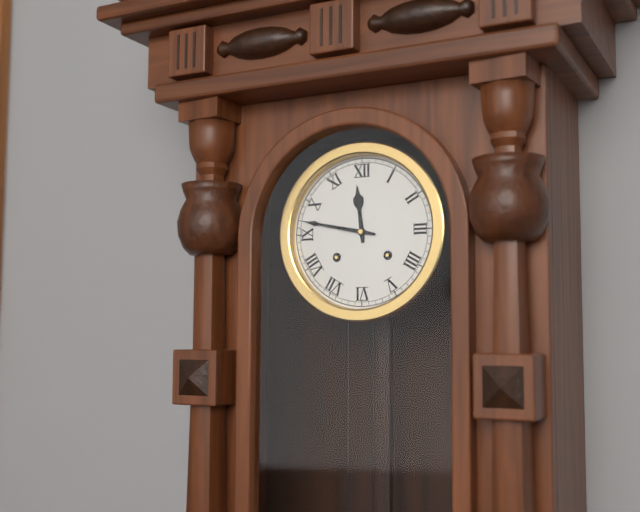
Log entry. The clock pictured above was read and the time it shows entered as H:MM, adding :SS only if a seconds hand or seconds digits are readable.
11:47
